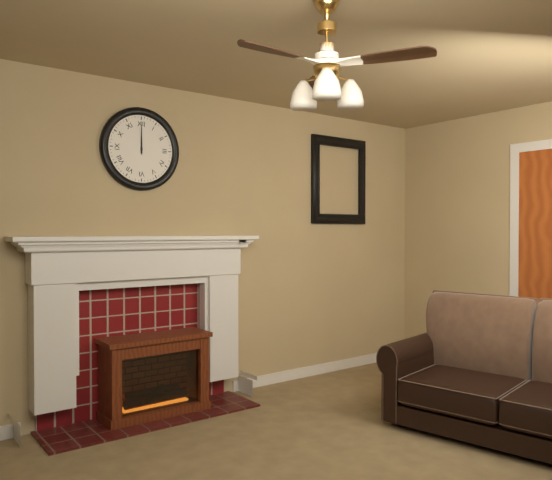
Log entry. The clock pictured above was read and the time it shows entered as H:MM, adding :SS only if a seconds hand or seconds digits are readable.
12:00
